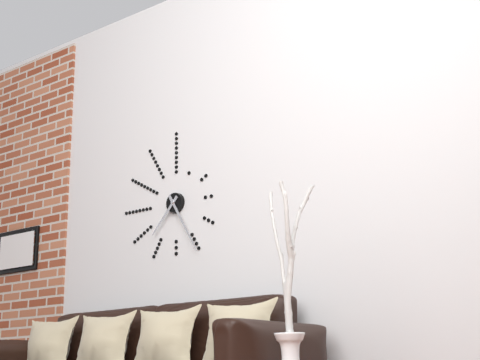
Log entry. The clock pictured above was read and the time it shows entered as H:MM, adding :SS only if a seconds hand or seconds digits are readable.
7:25
